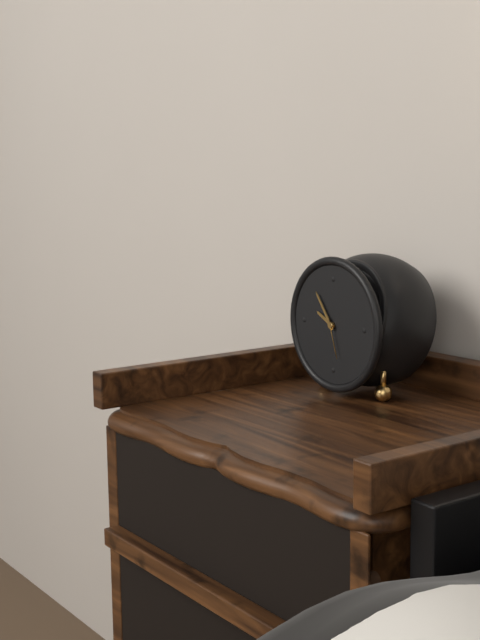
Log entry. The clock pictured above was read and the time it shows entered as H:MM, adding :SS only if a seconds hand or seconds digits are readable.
9:54
